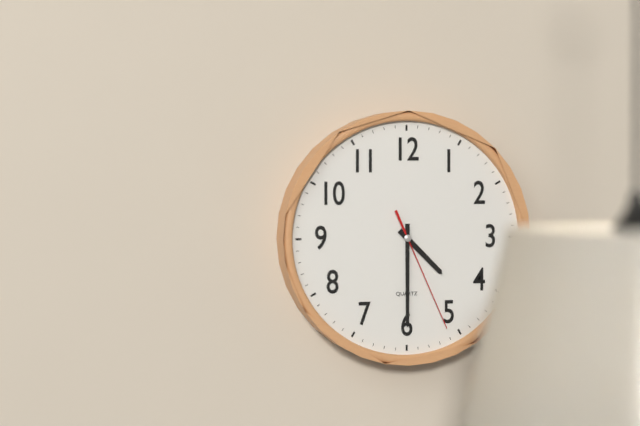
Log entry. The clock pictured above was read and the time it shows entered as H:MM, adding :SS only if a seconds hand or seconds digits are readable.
4:30:26
